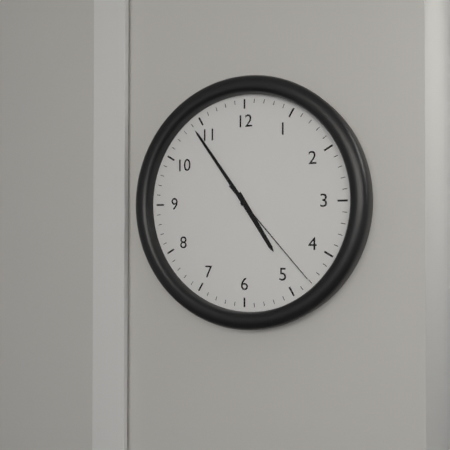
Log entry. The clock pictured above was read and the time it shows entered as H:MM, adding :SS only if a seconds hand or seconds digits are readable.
4:54:23
